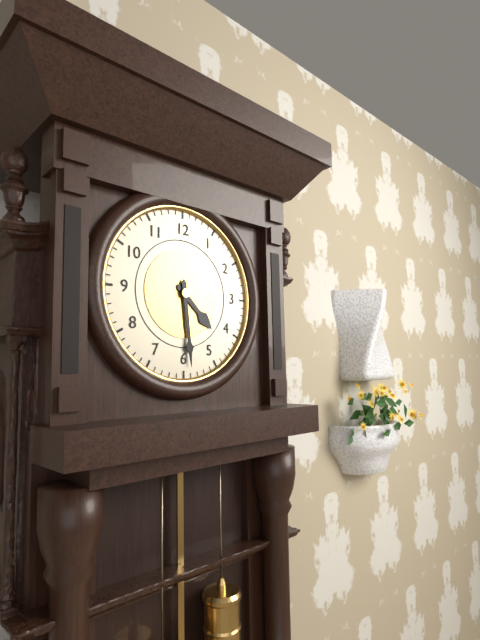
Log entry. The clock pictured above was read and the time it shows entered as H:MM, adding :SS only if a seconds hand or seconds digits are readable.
4:29
